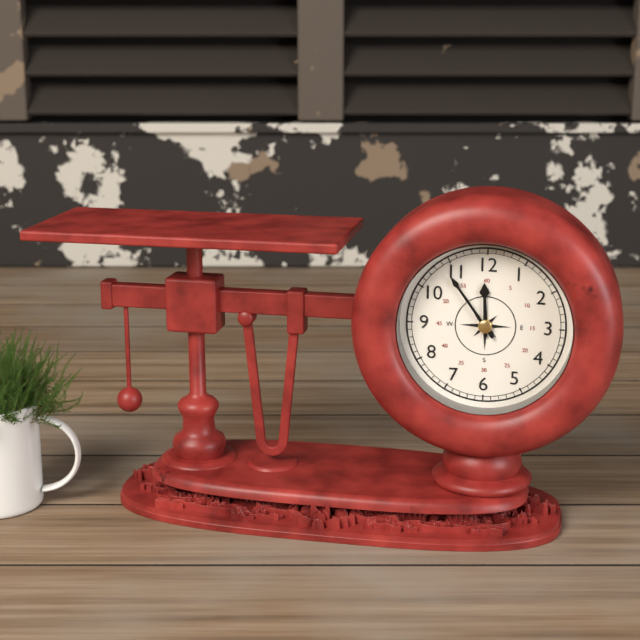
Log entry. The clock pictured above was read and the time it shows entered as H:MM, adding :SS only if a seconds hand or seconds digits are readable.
11:54
